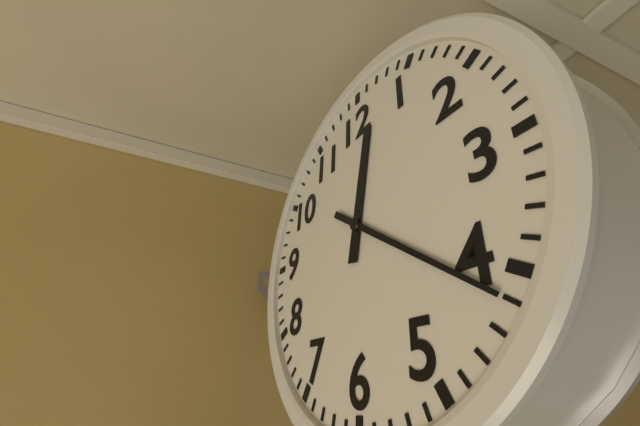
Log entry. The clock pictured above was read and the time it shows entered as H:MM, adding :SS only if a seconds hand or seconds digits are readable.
12:21
